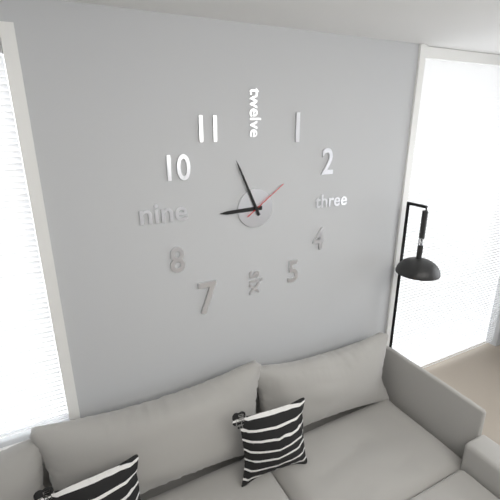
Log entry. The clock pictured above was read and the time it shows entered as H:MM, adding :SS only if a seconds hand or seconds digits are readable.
8:56
